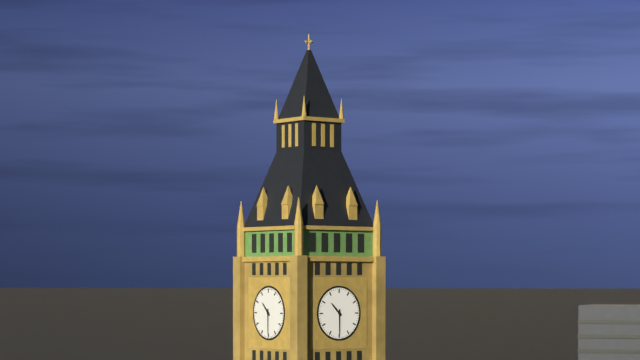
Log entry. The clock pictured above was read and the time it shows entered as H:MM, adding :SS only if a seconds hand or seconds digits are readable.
10:30
